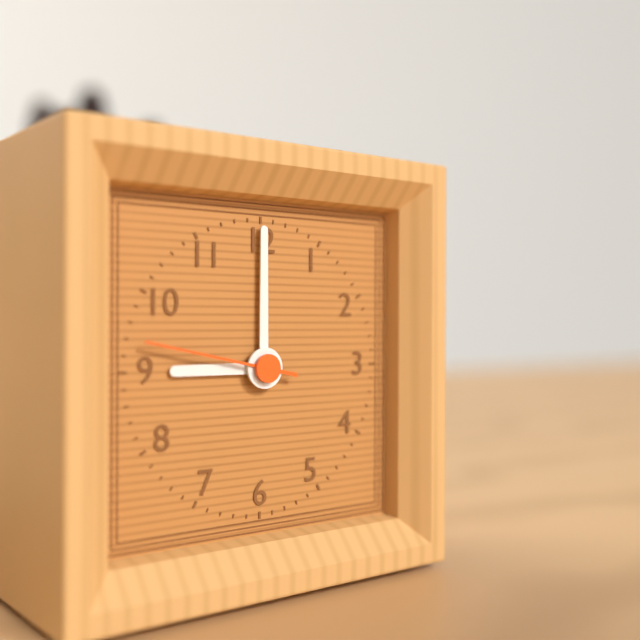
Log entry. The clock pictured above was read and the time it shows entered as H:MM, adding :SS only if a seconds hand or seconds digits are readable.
9:00:47
